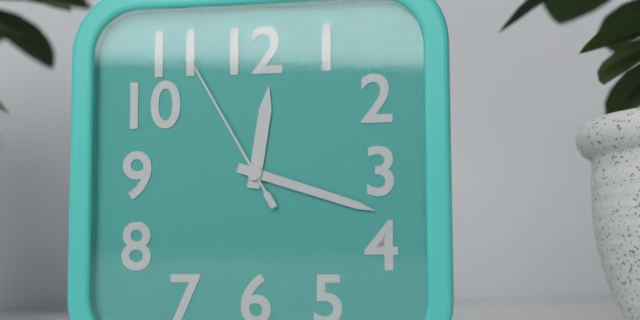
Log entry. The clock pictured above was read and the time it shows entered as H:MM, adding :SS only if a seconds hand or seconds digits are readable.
12:18:55
